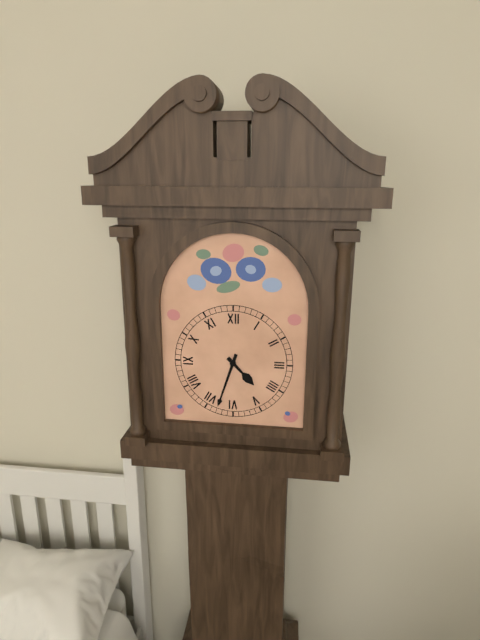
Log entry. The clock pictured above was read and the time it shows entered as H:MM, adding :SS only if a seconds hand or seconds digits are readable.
4:33
